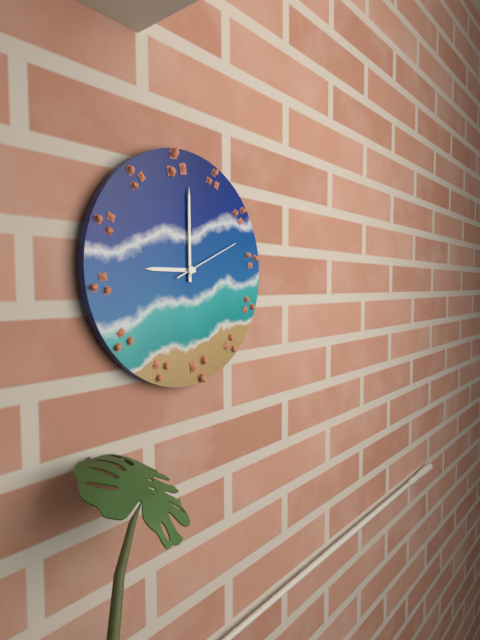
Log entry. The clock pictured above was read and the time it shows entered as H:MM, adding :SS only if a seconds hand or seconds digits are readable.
9:00:11
